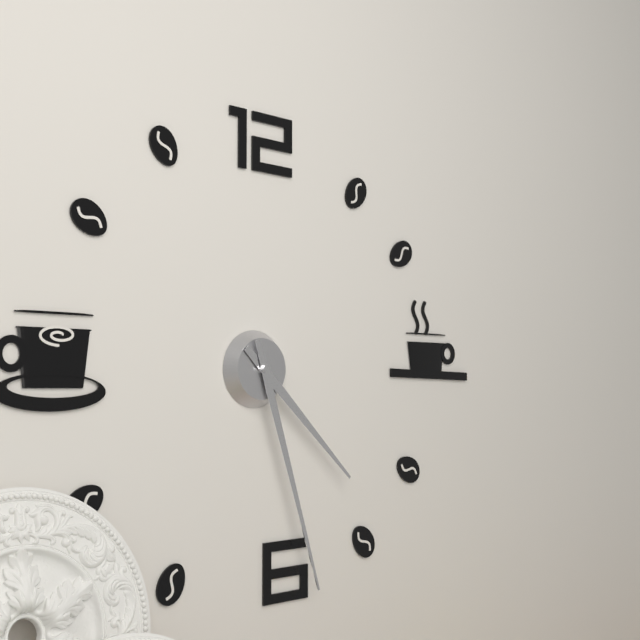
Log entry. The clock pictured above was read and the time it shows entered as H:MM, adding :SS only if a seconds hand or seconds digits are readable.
4:27
